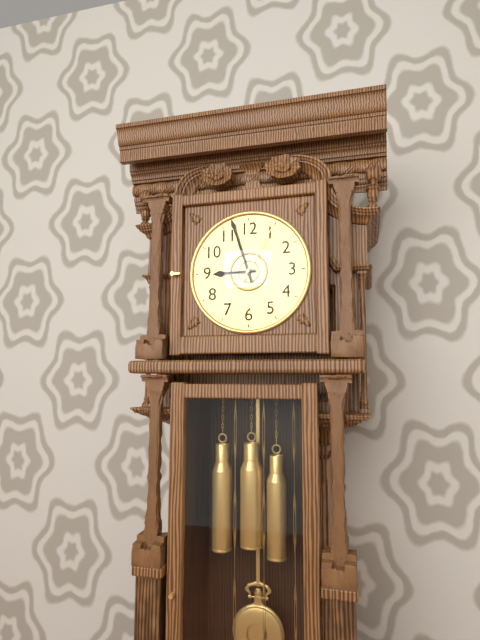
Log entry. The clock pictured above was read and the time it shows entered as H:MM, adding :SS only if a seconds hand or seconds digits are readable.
8:57:05
